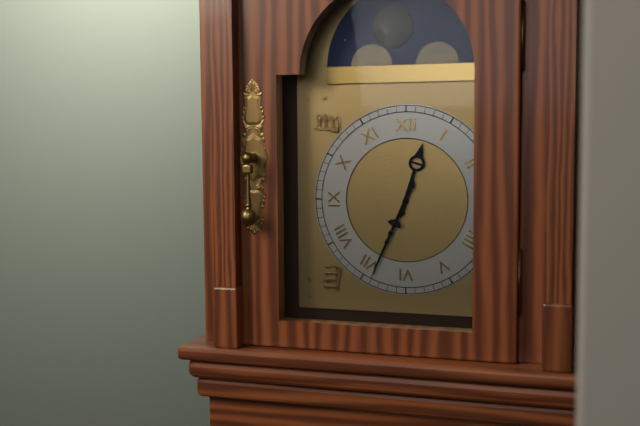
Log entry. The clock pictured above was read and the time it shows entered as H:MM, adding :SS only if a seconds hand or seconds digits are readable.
12:34
